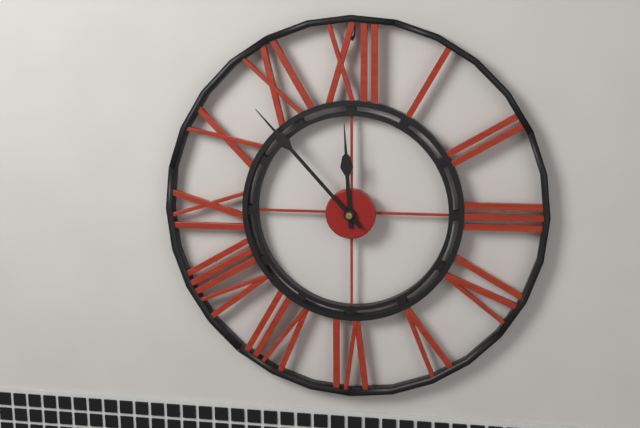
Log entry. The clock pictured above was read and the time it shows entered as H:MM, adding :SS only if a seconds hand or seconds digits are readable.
11:53
